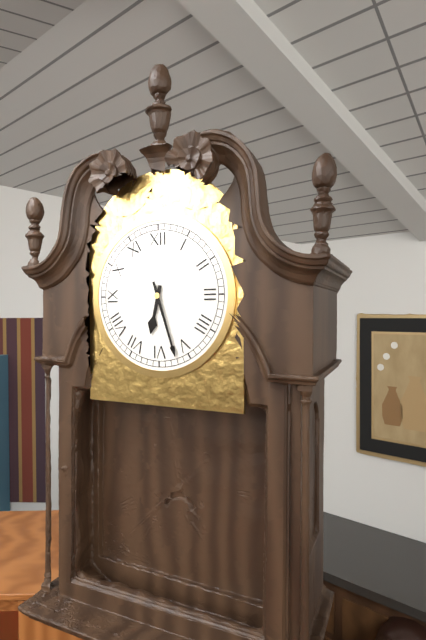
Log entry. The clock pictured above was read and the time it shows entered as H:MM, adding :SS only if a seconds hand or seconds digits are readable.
6:27
